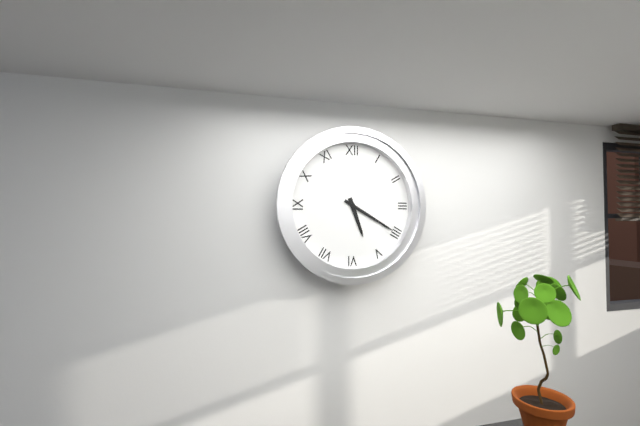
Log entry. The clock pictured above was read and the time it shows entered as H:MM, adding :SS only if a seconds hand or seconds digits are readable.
5:20
